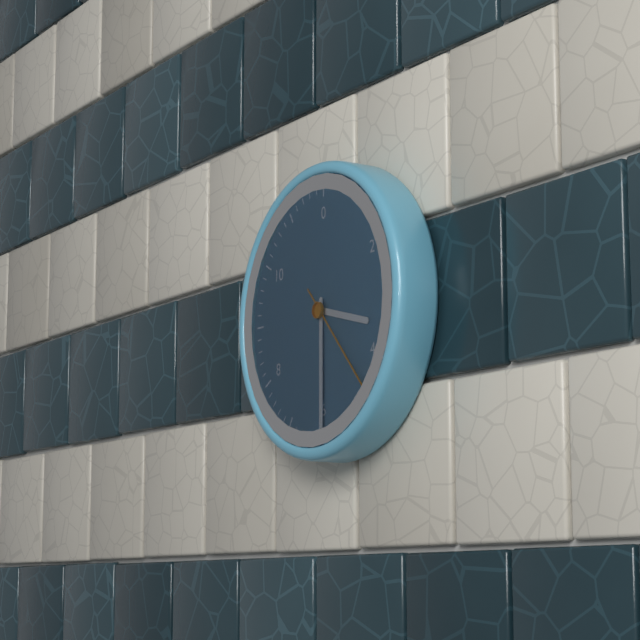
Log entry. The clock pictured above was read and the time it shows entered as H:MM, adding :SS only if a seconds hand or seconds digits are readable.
3:30:23
